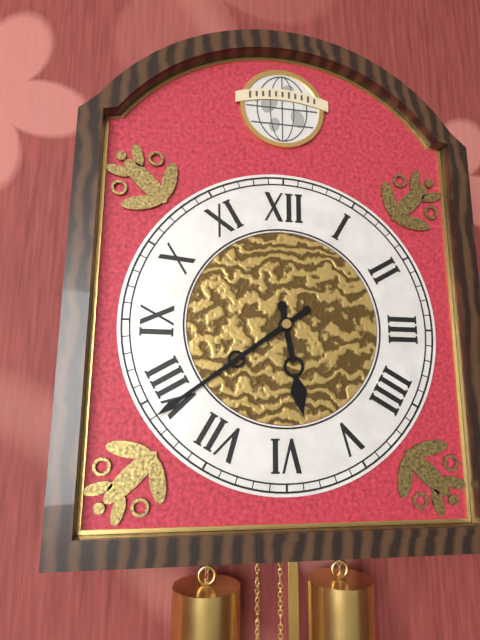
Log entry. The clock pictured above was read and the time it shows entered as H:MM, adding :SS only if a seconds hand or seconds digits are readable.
5:39
